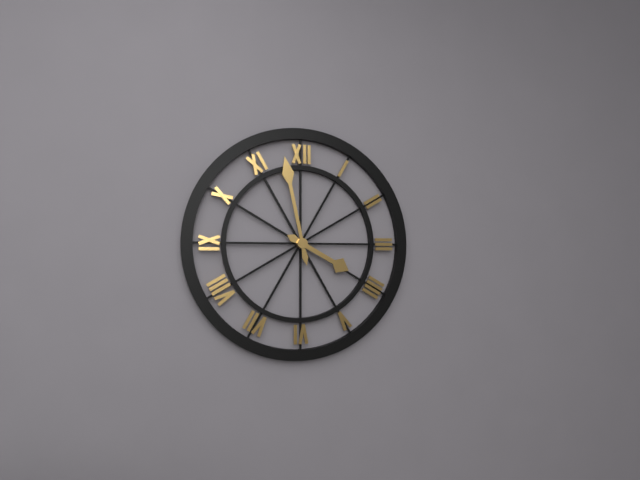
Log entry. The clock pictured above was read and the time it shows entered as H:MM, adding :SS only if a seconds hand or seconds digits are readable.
3:58
